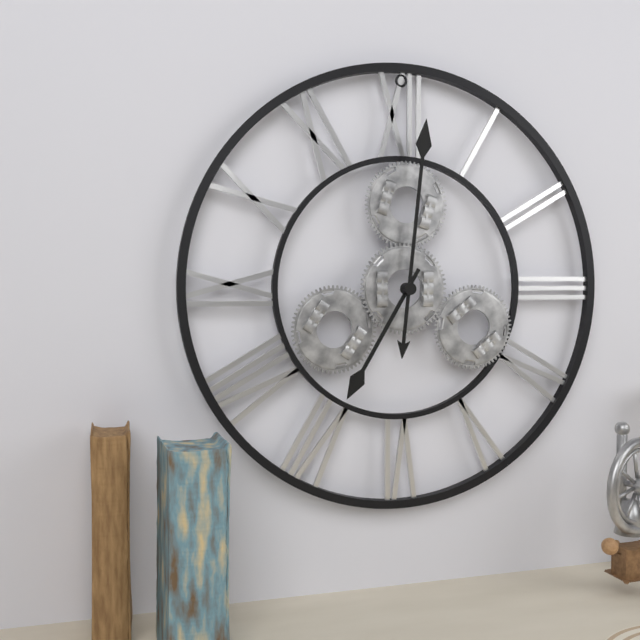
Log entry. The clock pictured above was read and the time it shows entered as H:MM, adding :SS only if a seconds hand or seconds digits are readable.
7:01
